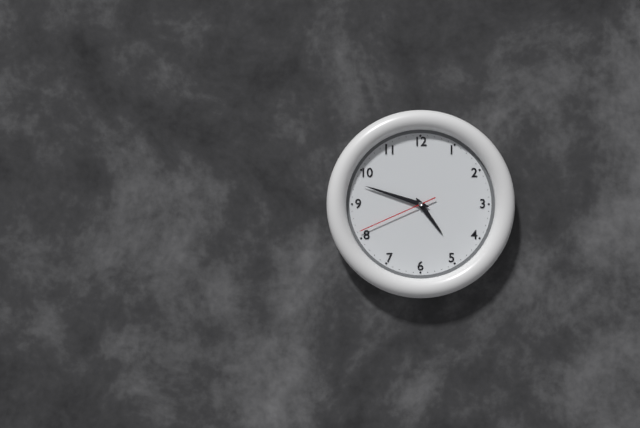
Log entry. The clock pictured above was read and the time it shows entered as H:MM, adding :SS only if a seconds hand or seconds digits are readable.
4:48:41
